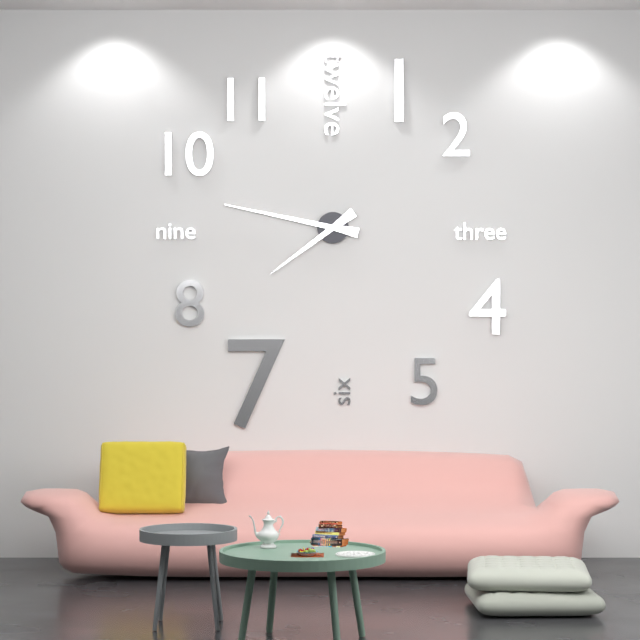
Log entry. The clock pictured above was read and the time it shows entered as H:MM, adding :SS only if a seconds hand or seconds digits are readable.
7:47
